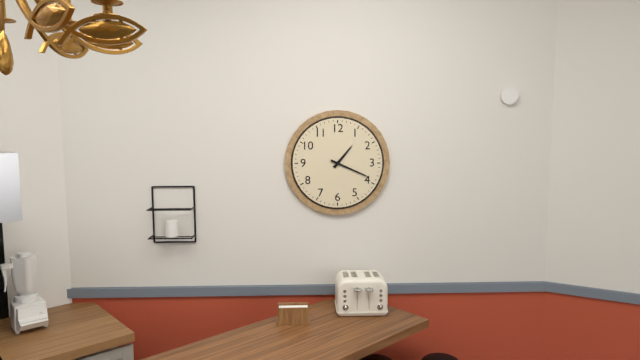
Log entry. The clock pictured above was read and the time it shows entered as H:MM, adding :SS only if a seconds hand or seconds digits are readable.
1:19
